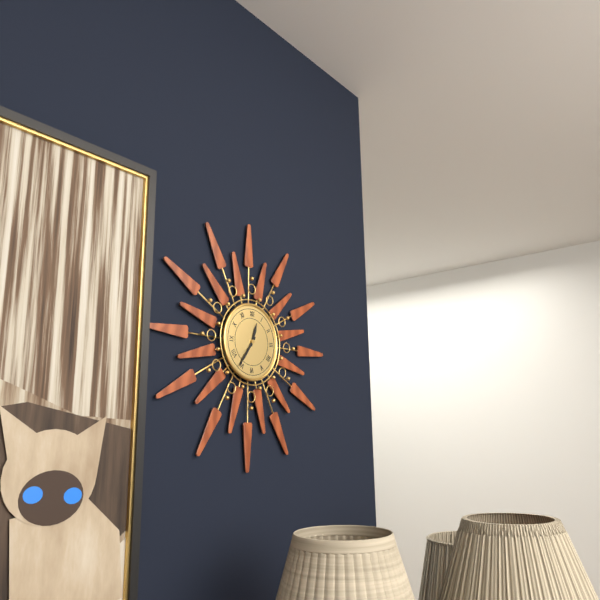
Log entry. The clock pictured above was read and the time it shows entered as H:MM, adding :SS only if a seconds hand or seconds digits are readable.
12:36
